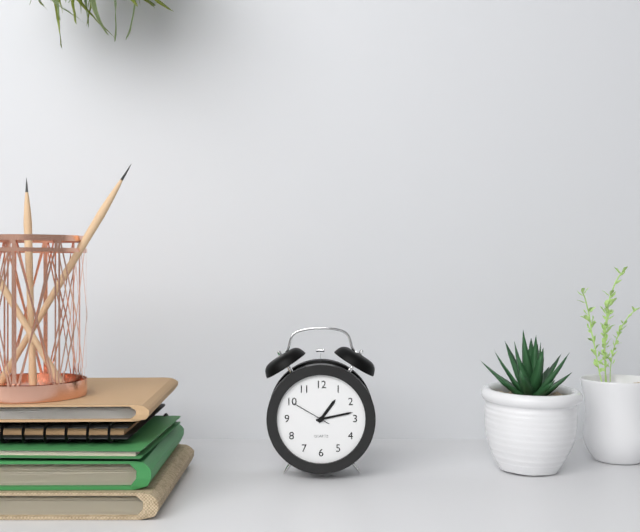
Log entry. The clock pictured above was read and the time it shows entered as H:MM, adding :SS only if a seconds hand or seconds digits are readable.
1:13
